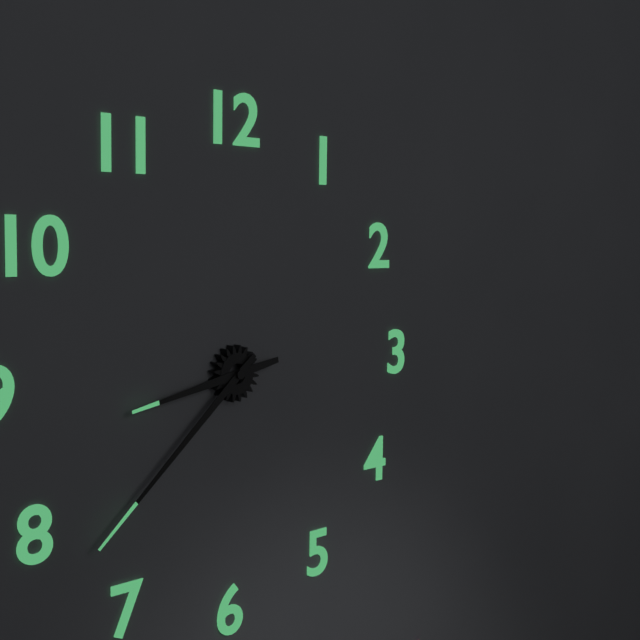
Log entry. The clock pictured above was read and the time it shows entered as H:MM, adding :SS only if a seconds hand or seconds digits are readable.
8:38
